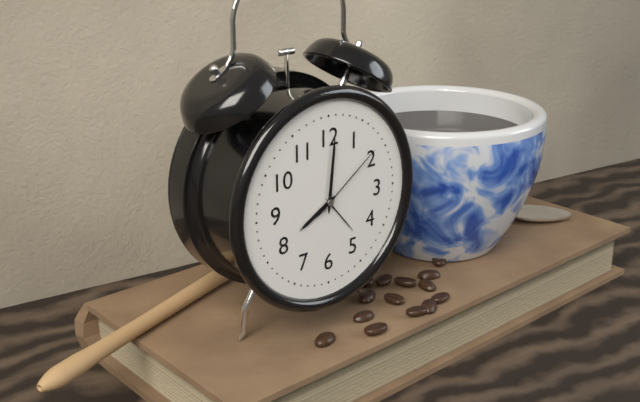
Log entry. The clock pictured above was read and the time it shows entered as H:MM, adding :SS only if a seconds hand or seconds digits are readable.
8:01:09
